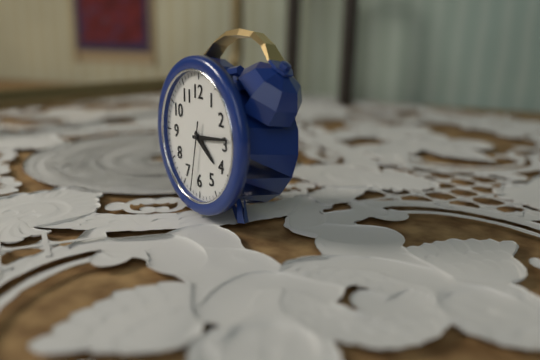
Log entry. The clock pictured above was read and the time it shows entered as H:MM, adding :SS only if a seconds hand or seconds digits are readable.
4:14:32
